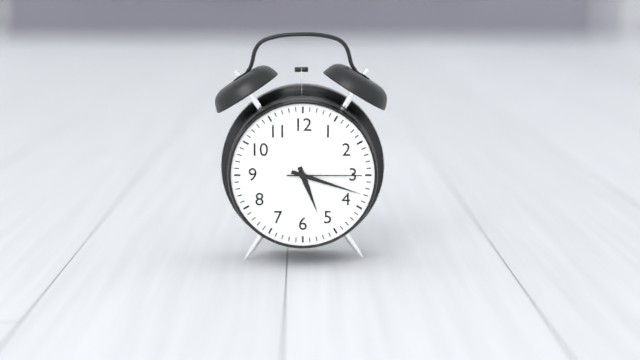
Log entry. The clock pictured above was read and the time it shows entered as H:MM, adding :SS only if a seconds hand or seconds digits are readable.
5:18:15
